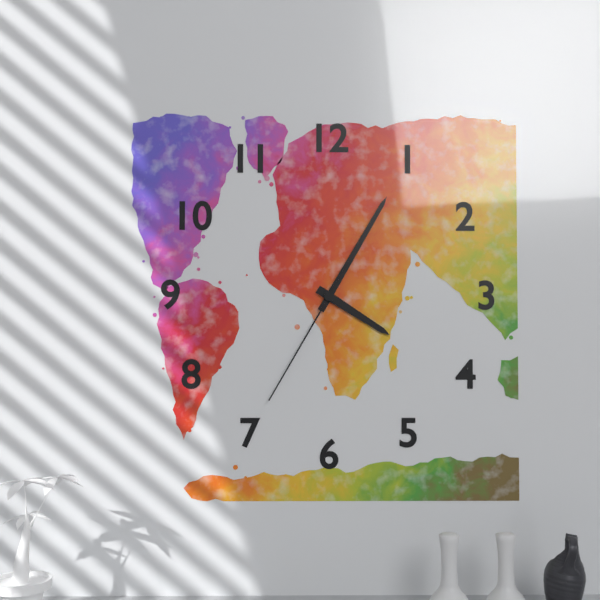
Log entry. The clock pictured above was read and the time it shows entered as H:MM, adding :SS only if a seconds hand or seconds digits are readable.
4:05:35
